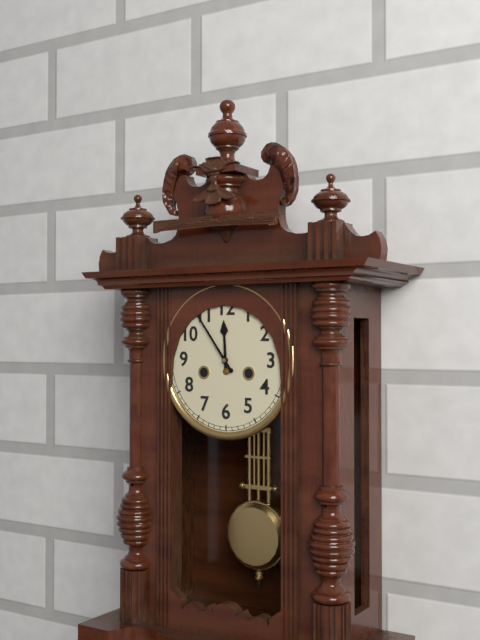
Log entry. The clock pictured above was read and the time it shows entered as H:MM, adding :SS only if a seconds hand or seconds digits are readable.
11:54
